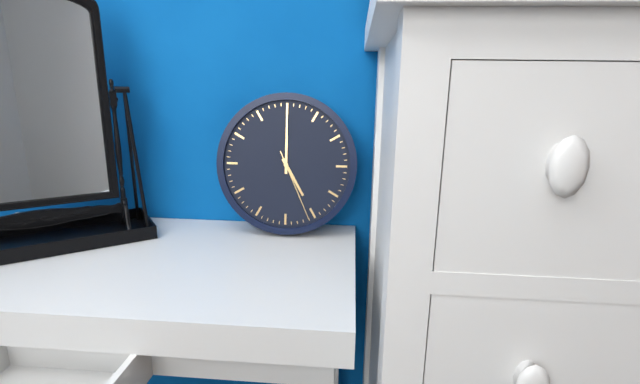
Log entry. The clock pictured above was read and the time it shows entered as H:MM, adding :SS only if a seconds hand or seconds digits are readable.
5:00:26
